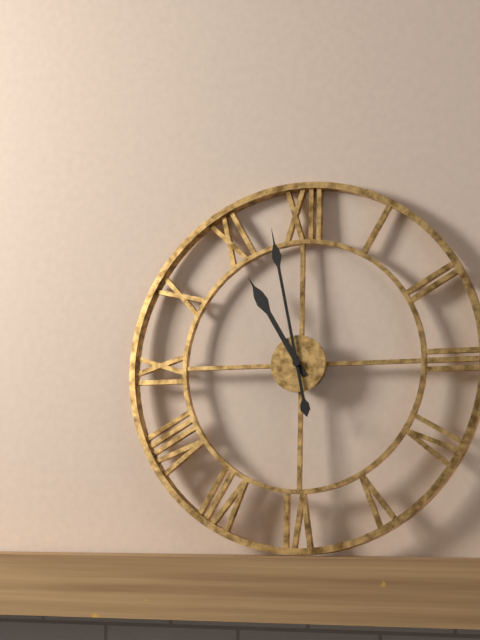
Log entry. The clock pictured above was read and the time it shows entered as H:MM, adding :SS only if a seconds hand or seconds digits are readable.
10:58
